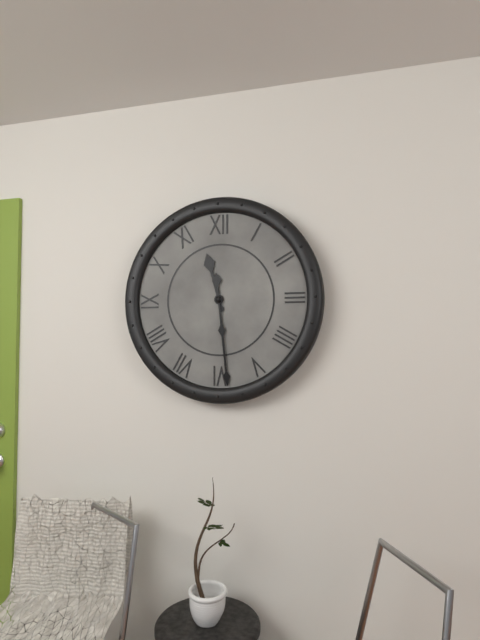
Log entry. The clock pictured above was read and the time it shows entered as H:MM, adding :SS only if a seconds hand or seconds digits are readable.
11:29
